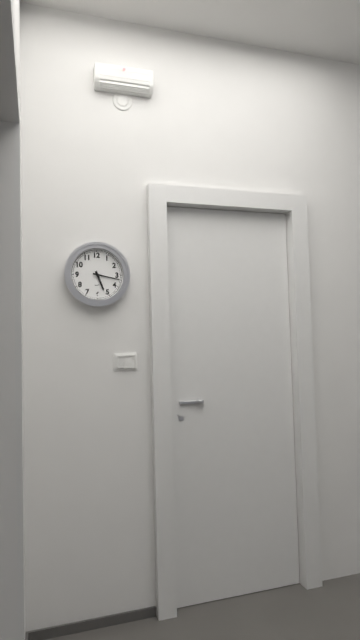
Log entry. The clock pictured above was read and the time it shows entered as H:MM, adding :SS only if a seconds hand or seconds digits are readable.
5:17
